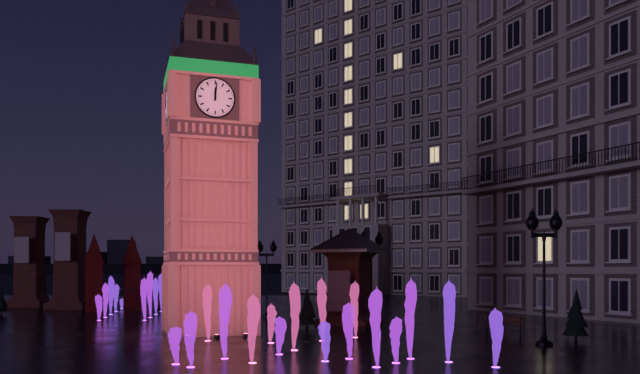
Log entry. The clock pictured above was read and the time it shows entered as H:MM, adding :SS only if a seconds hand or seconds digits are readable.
12:01
